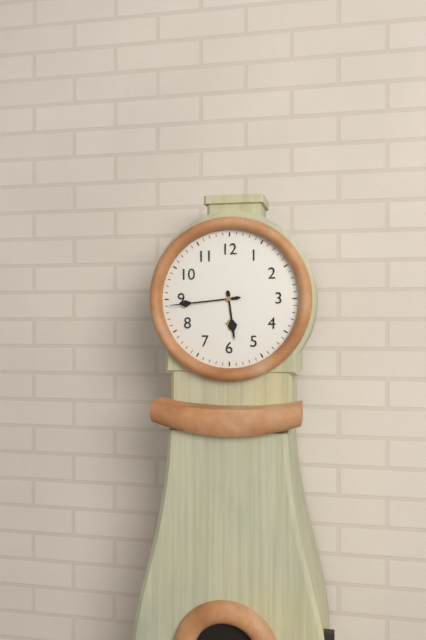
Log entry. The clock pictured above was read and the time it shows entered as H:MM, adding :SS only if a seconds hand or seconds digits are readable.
5:44
